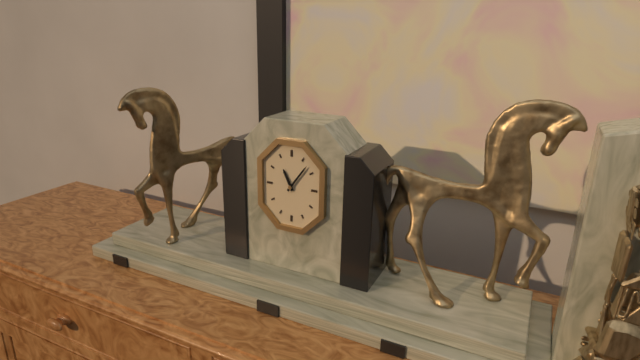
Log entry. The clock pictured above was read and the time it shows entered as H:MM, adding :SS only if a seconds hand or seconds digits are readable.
11:06
